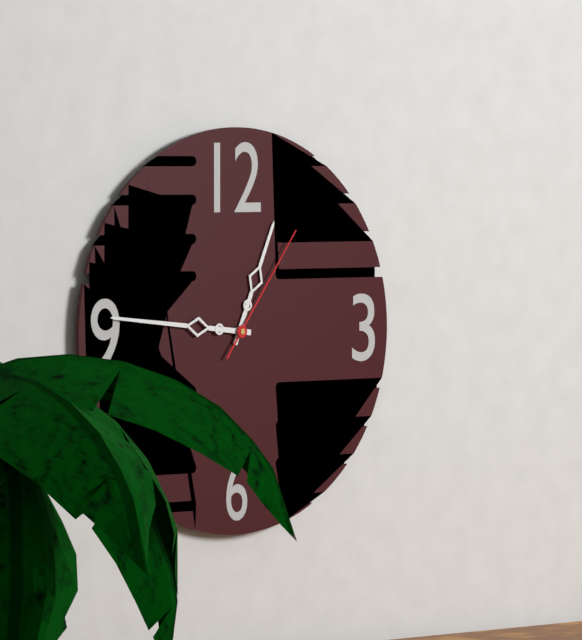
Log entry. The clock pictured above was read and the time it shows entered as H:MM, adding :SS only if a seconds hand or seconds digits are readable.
12:46:06
